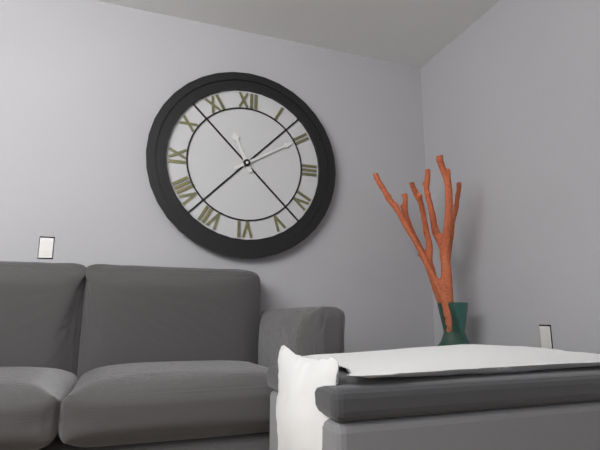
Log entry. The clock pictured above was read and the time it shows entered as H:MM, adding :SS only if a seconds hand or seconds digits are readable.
11:10
